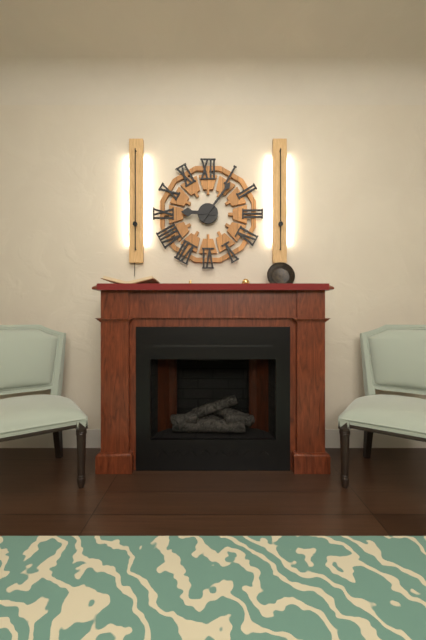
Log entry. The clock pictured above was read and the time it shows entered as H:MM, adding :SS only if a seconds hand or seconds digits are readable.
9:06
